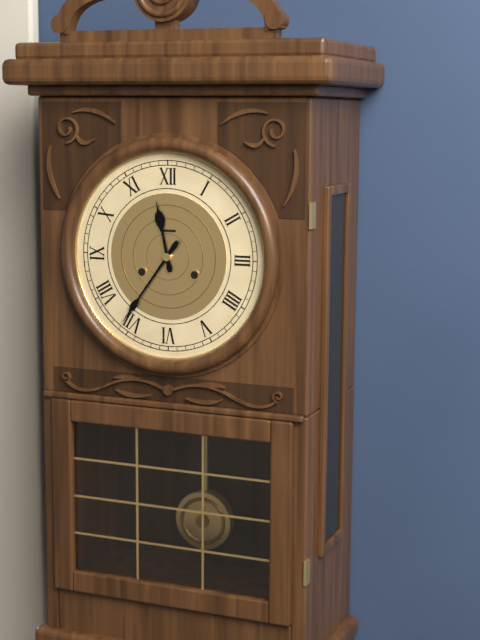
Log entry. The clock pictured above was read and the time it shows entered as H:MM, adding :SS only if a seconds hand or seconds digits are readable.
11:36
